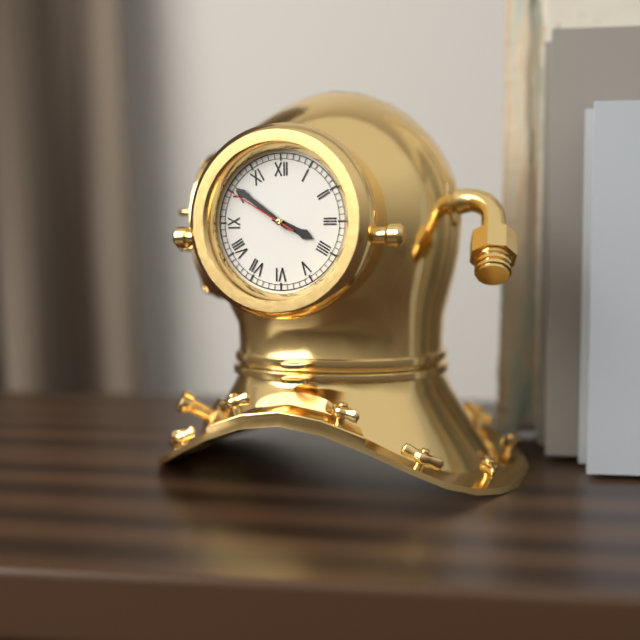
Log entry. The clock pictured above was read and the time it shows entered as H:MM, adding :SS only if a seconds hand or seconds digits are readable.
3:51:50
